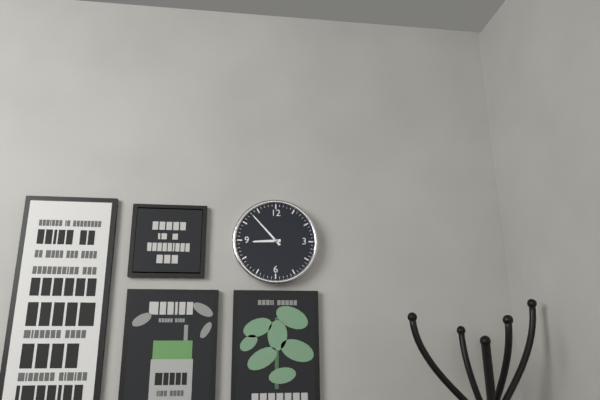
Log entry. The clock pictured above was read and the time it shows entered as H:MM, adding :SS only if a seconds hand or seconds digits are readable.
8:53
